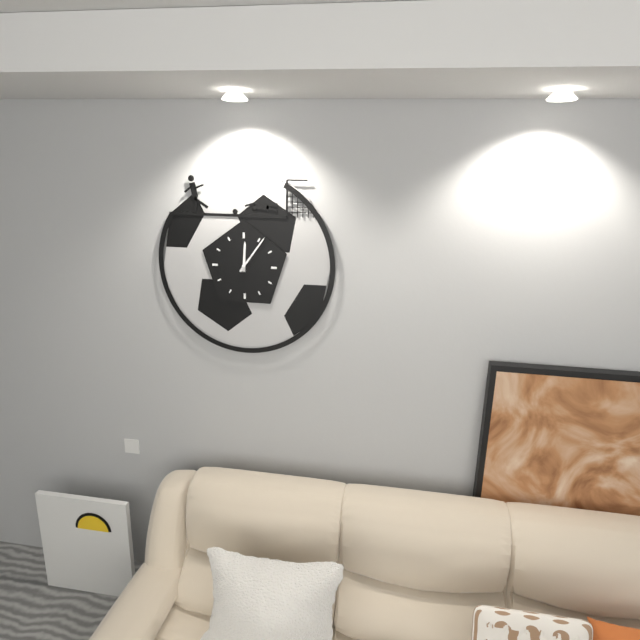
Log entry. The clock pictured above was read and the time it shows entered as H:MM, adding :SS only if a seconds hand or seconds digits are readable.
12:06
